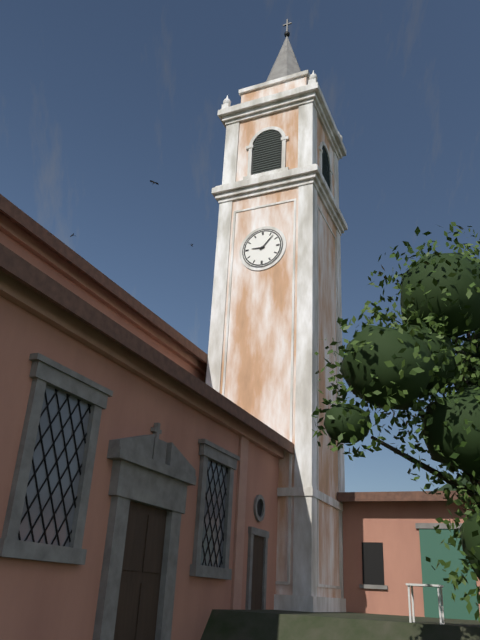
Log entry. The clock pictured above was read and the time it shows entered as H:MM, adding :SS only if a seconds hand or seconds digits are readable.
9:07
